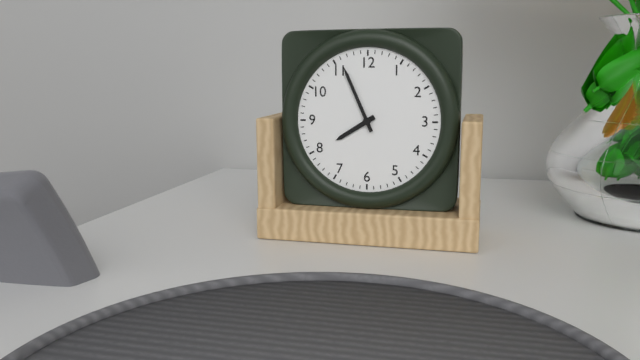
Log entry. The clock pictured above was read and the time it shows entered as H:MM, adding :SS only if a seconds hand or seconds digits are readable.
7:56
